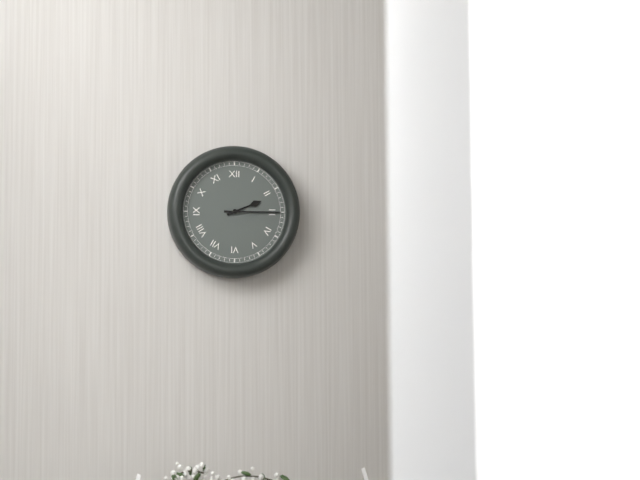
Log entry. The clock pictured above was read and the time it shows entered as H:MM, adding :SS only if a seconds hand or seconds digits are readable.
2:15
